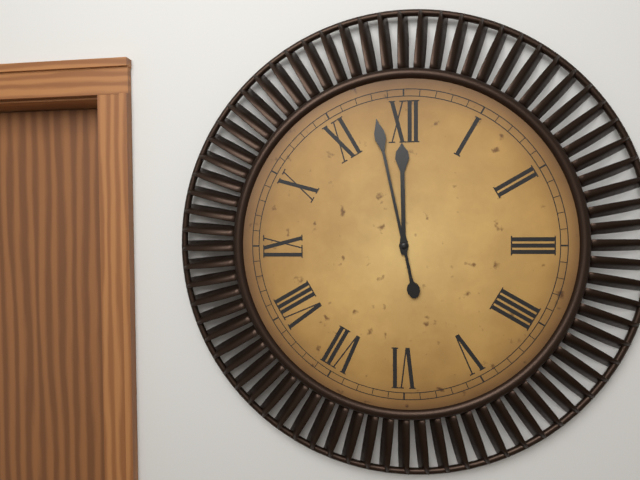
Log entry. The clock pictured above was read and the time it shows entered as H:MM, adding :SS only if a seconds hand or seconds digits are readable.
11:58
